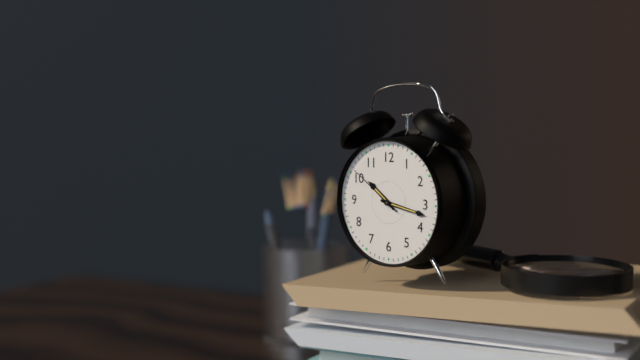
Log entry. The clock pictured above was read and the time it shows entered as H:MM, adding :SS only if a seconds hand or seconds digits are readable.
10:17:51
